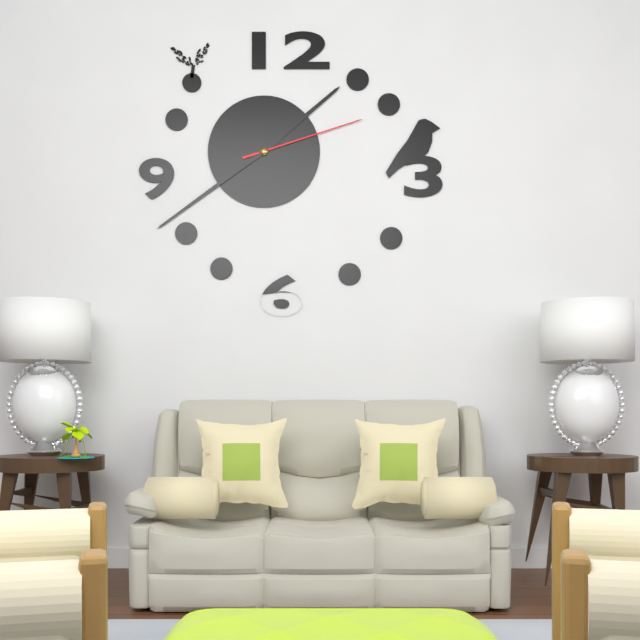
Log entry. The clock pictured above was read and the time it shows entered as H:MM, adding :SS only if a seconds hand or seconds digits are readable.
1:39:12
